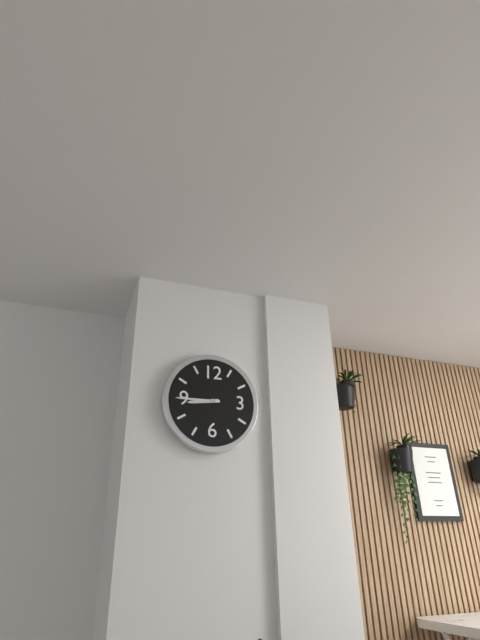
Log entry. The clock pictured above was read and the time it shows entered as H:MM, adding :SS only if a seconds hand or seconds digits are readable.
8:45
